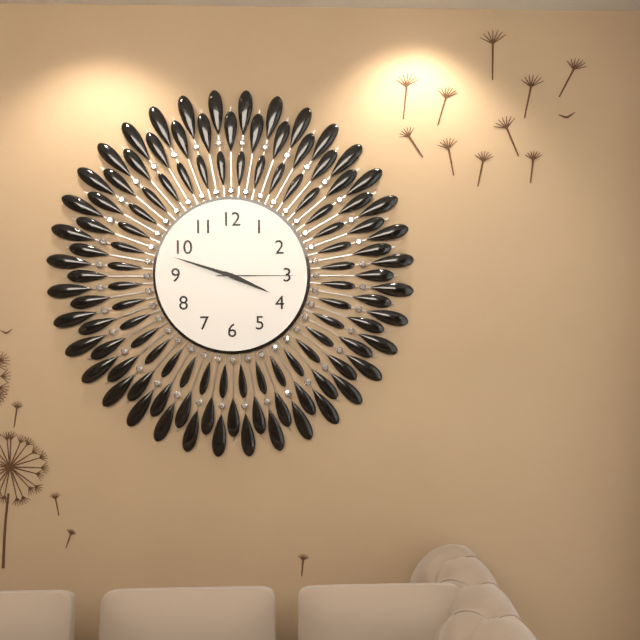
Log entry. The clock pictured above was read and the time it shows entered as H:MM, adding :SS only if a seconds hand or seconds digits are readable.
3:48:15
